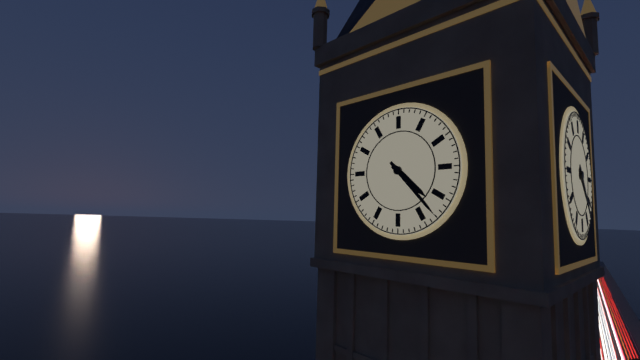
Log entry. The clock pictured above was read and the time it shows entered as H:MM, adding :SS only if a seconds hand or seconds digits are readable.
4:23
